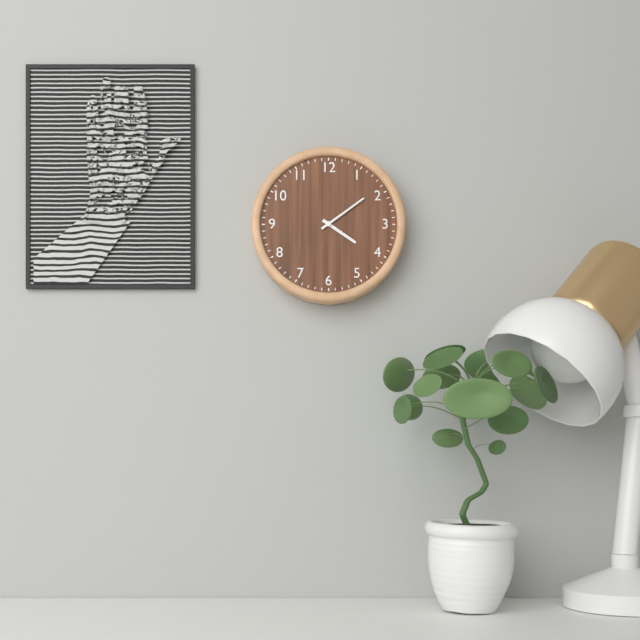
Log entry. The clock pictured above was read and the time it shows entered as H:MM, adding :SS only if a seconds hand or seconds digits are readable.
4:09
